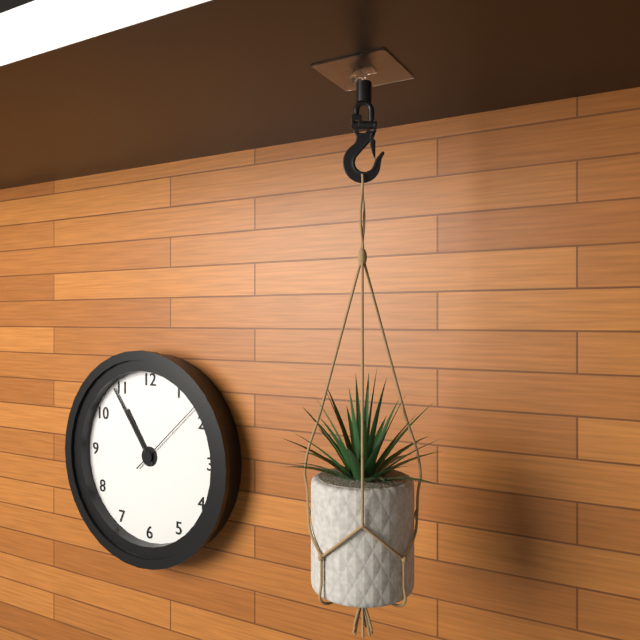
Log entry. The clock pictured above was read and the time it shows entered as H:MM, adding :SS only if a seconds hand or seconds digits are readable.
10:54:08
